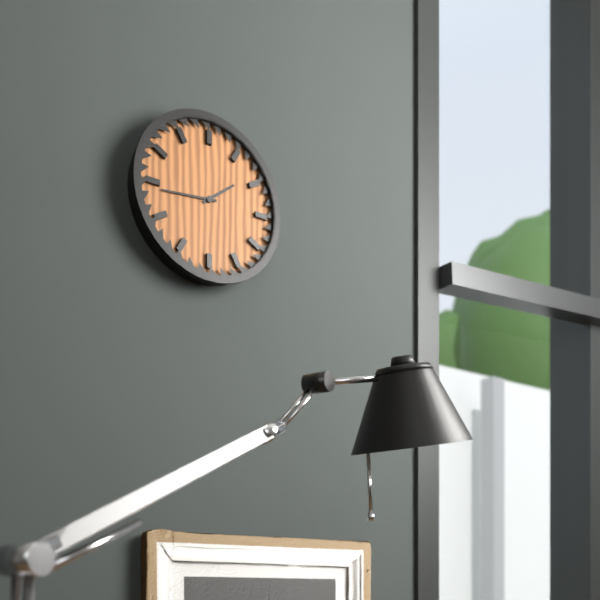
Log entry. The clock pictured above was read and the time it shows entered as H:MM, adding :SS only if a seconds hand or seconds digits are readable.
1:44
